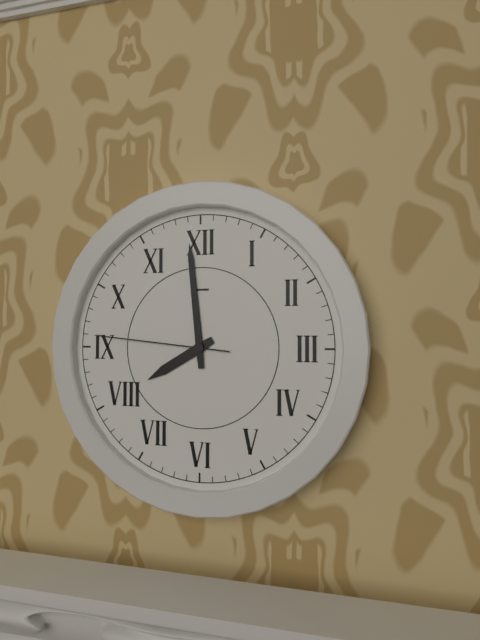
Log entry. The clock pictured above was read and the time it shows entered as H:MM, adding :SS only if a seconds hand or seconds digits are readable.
7:59:46
